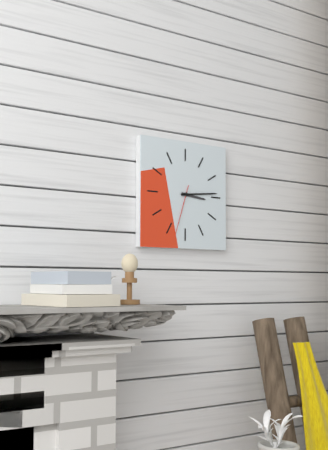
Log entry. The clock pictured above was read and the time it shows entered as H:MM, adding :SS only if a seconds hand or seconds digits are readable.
3:14:33
